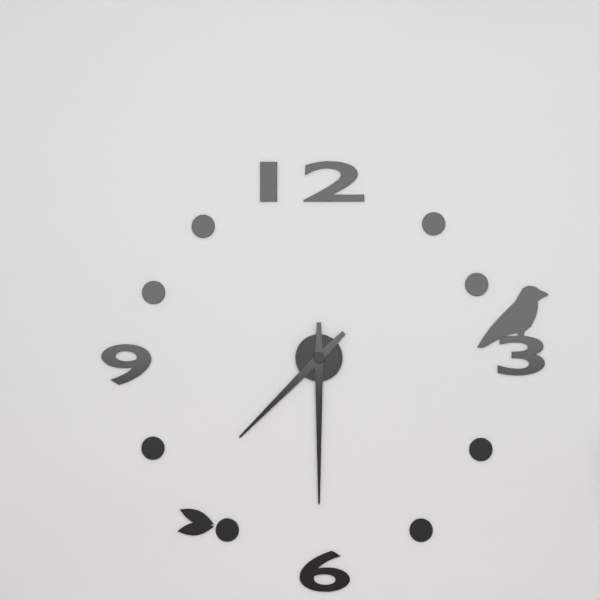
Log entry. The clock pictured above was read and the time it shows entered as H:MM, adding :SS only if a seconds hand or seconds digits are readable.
7:30
